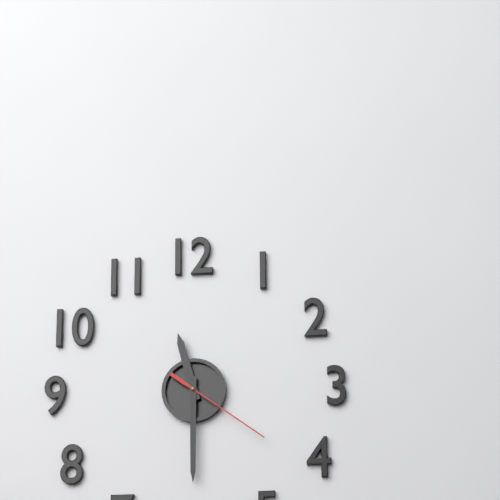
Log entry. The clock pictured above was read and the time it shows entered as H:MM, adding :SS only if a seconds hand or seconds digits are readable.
11:30:21
